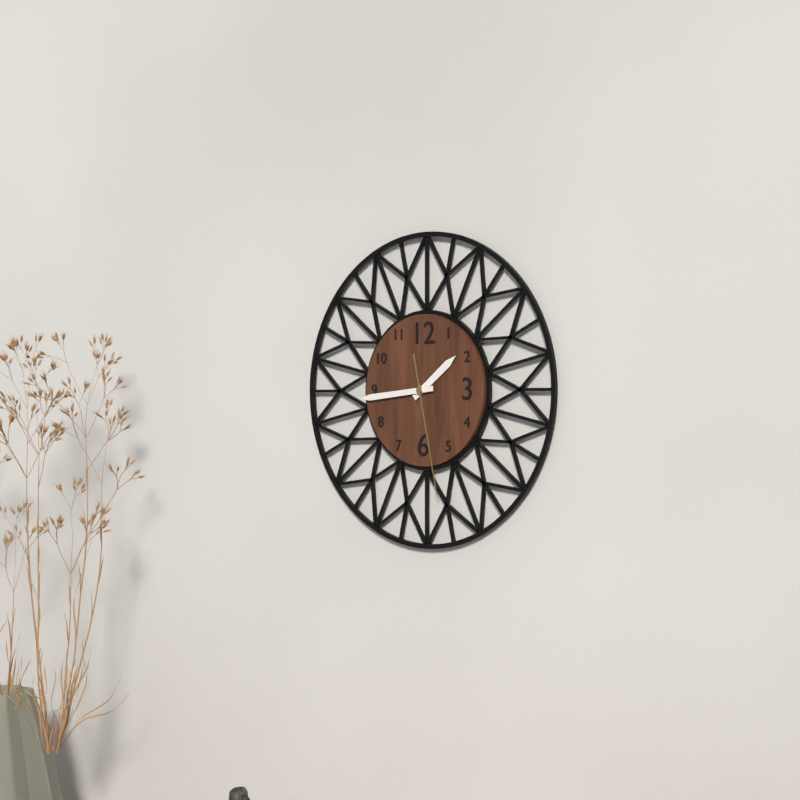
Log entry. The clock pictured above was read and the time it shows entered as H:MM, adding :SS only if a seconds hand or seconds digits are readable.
1:44:28
